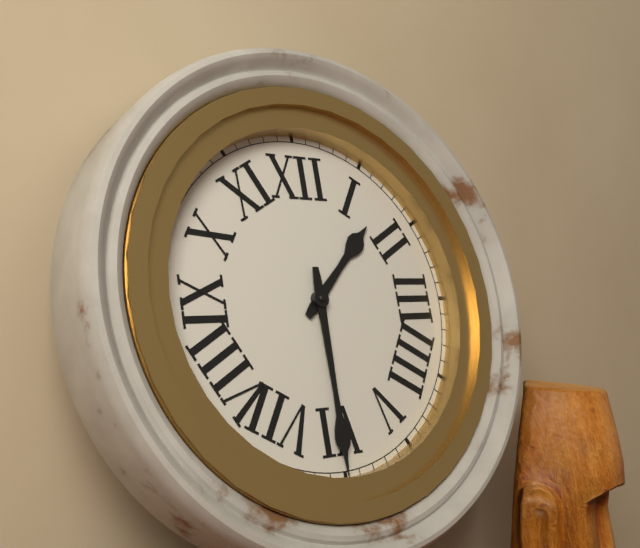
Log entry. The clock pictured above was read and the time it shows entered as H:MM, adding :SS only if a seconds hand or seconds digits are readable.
1:30
